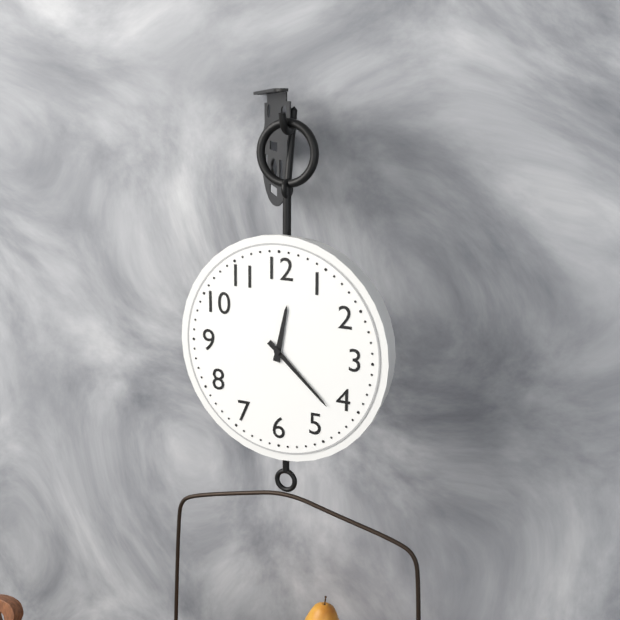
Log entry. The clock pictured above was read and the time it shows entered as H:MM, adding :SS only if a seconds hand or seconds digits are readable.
12:22
